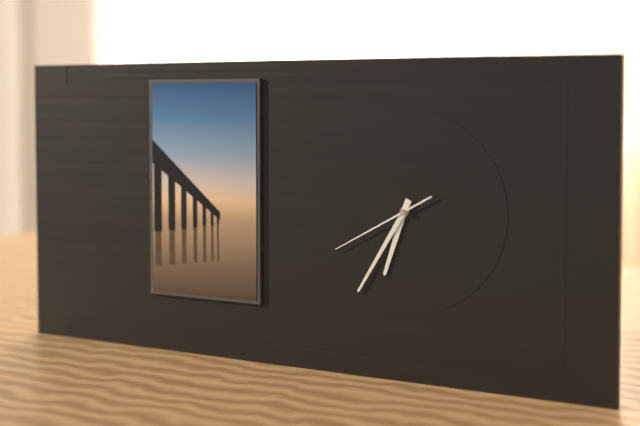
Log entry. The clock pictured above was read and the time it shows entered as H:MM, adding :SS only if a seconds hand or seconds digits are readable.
6:35:40
